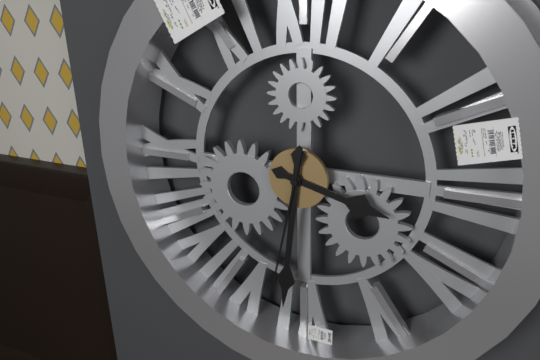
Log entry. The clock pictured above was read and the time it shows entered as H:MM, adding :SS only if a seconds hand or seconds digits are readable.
3:31:32
